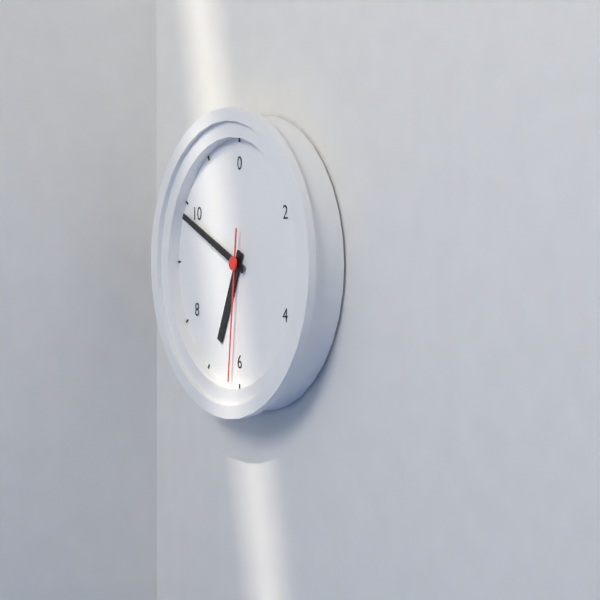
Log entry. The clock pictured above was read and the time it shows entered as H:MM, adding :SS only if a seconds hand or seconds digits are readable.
6:49:31
